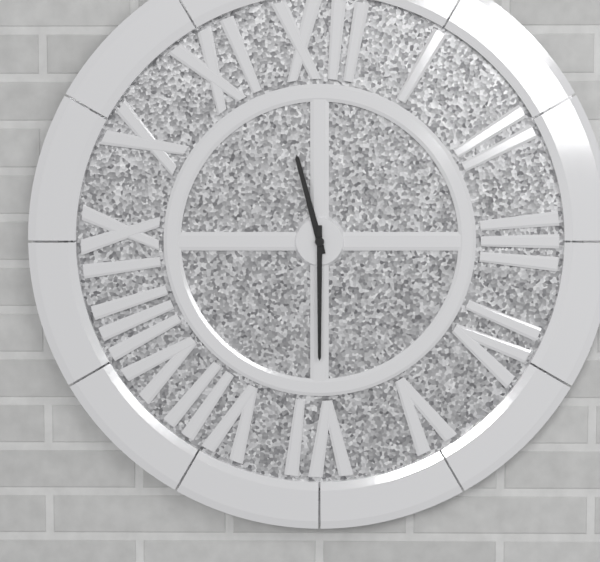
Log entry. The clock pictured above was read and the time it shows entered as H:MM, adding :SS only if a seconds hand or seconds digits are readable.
11:30
